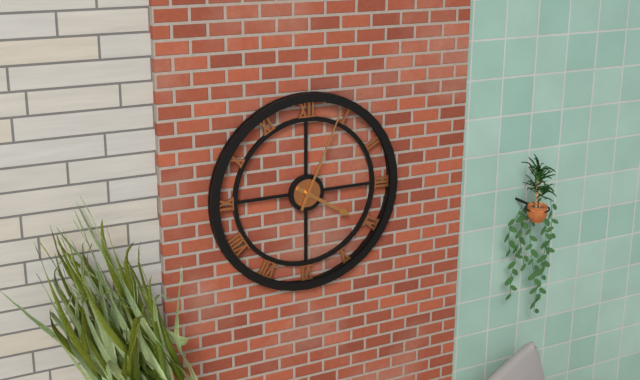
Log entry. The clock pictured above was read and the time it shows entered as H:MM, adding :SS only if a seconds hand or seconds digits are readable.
4:04
